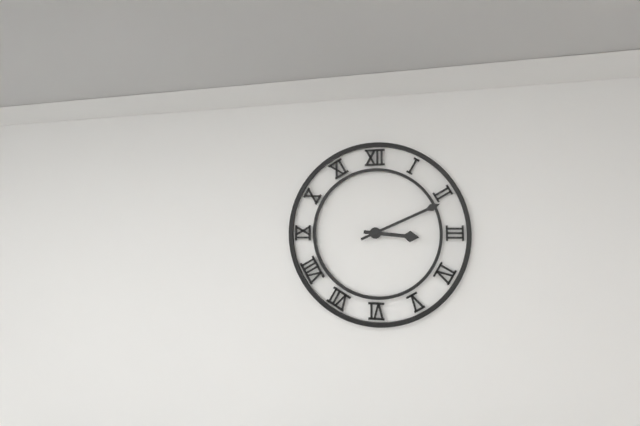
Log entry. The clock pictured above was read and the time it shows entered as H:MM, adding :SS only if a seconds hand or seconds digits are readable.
3:11
